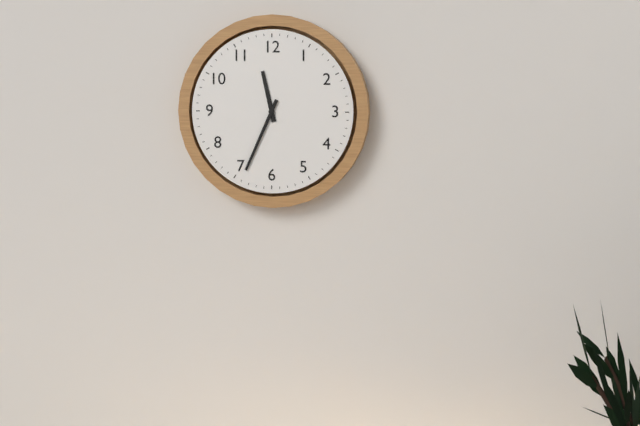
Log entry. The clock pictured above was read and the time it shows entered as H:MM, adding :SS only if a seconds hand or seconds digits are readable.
11:34
